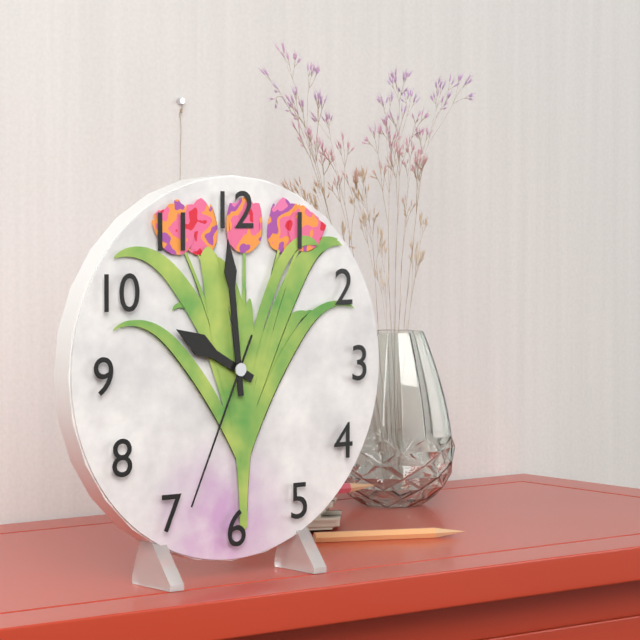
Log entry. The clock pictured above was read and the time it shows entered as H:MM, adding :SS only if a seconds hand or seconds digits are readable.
9:59:34
